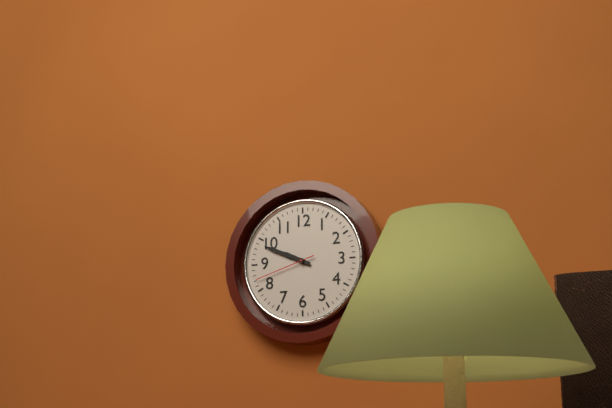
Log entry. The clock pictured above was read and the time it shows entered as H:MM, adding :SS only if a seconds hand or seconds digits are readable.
9:49:42
